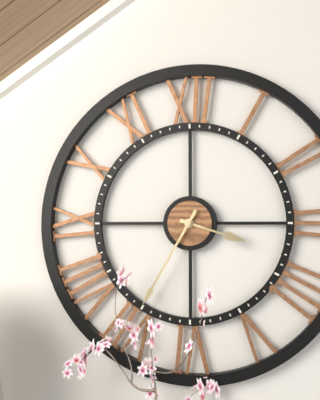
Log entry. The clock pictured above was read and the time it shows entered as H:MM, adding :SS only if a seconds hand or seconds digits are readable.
3:35
